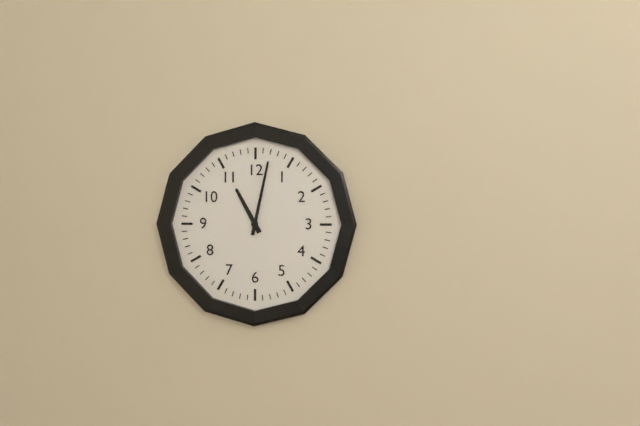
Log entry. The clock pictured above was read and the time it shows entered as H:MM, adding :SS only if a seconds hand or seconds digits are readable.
11:02
